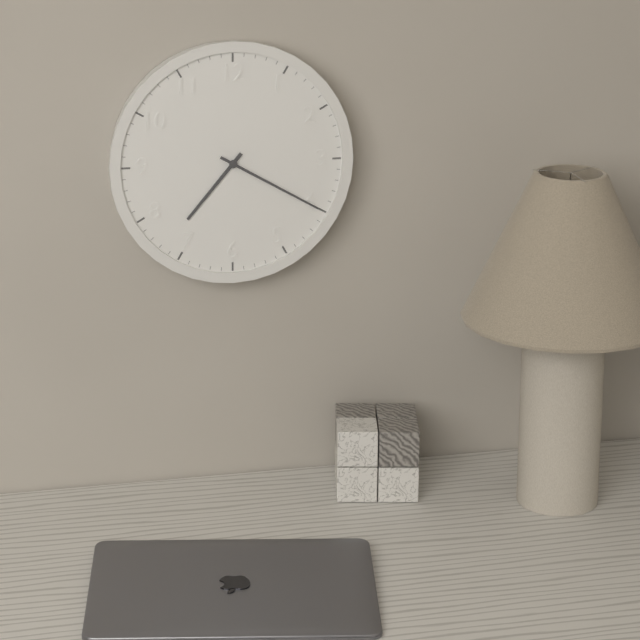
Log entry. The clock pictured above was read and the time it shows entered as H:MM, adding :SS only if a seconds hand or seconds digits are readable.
7:20
